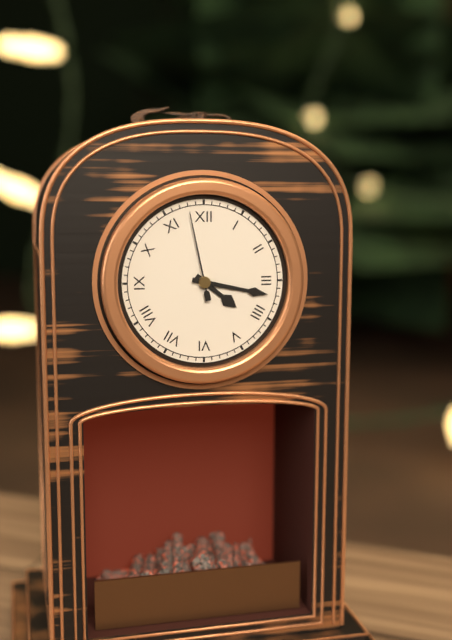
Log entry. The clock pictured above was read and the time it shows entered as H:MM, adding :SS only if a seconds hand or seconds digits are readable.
4:17:58
